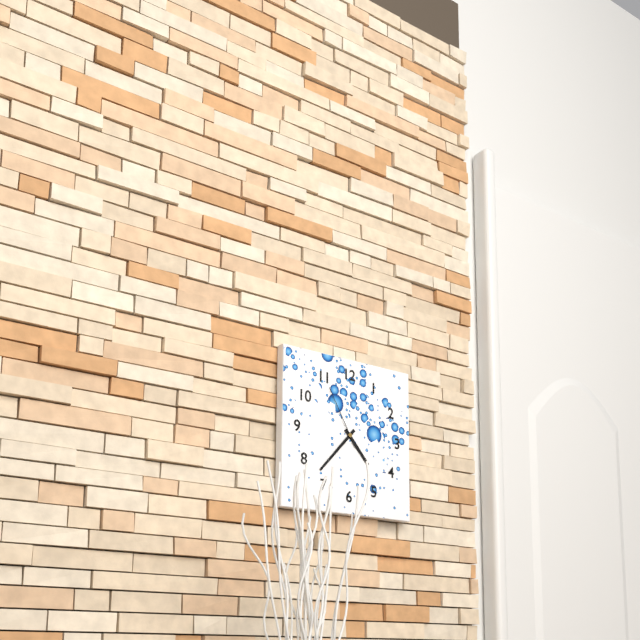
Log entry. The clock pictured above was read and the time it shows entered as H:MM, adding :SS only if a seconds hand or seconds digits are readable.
4:37:55
